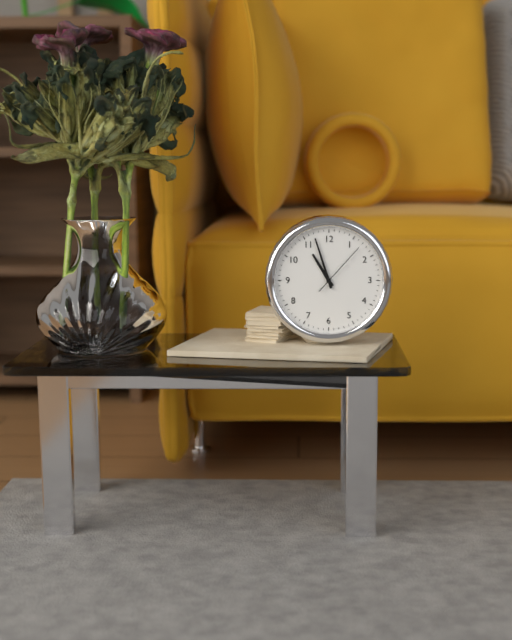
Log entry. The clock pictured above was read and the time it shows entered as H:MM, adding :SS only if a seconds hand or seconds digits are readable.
10:57:07
